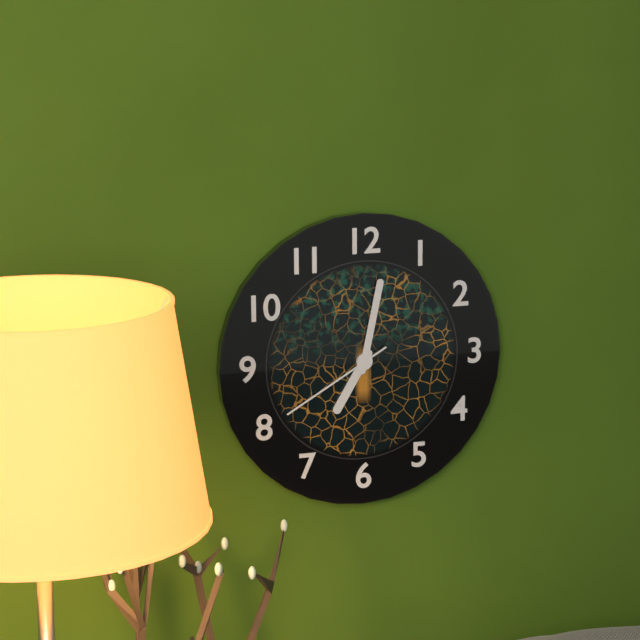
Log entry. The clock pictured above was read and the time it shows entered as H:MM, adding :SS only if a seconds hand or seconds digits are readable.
7:02:40
